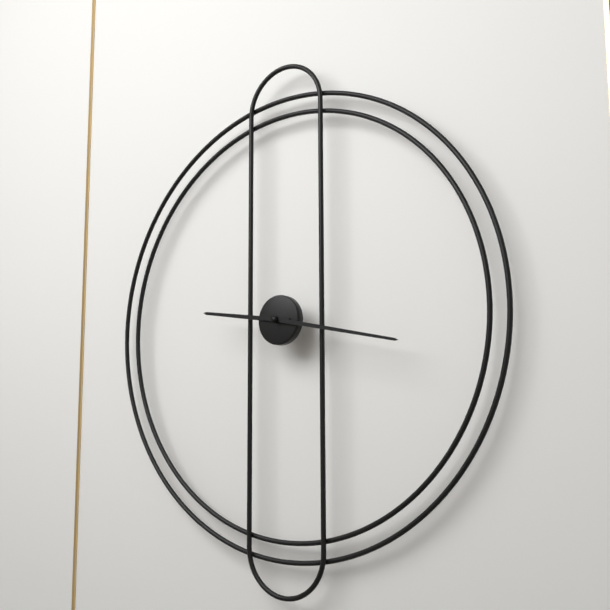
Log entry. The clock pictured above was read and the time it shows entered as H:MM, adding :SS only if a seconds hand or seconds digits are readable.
9:17
